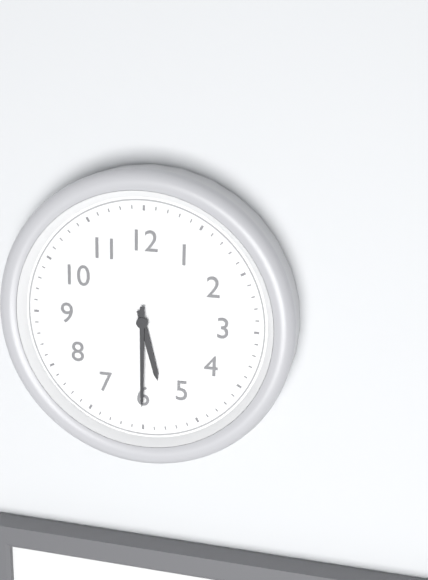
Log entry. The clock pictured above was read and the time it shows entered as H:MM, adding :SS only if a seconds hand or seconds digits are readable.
5:30
